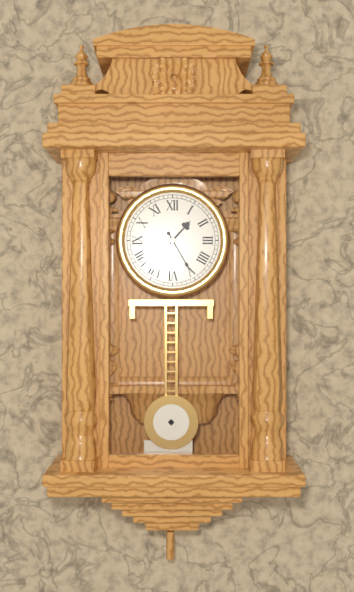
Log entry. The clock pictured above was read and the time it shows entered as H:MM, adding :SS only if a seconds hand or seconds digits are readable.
1:25
